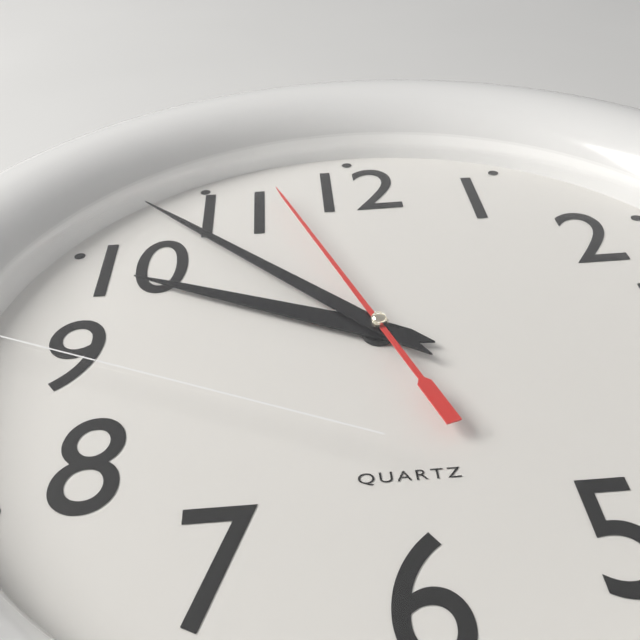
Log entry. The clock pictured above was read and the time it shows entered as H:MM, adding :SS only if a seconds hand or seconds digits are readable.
9:53:57
